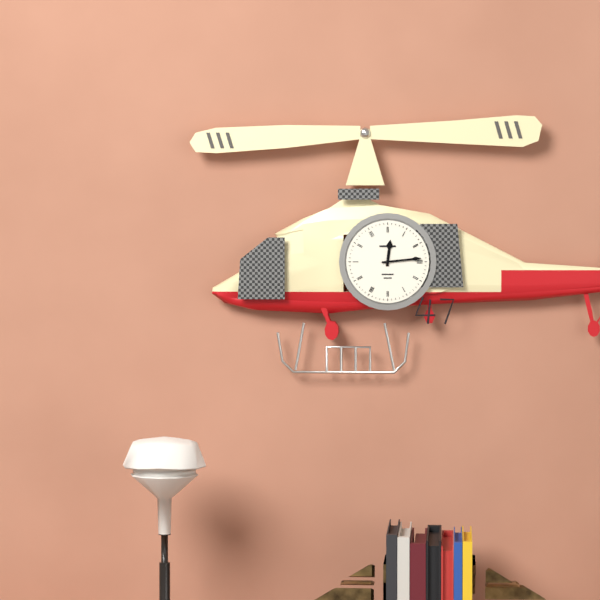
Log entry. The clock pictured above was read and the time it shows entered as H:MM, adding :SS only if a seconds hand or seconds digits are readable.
12:14
